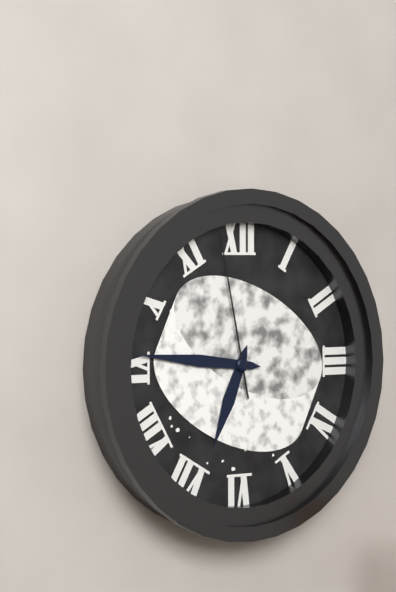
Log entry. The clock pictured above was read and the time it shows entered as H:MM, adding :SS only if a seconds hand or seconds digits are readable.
6:46:58
